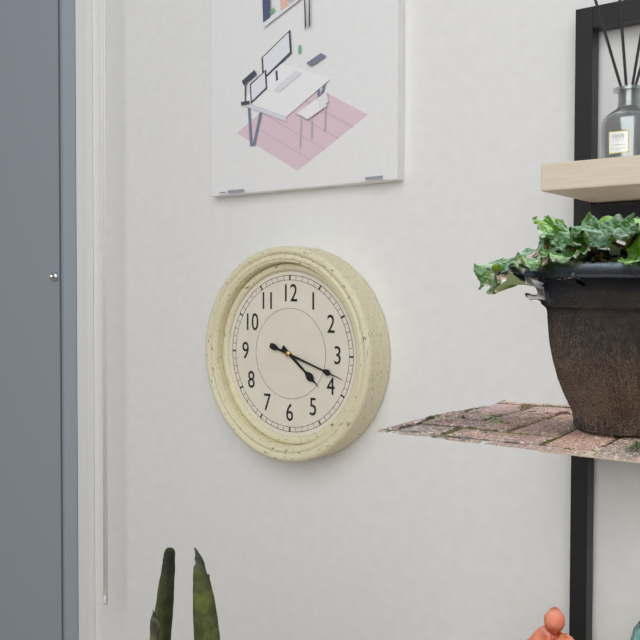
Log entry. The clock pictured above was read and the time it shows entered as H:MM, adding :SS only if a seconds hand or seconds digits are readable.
4:18
